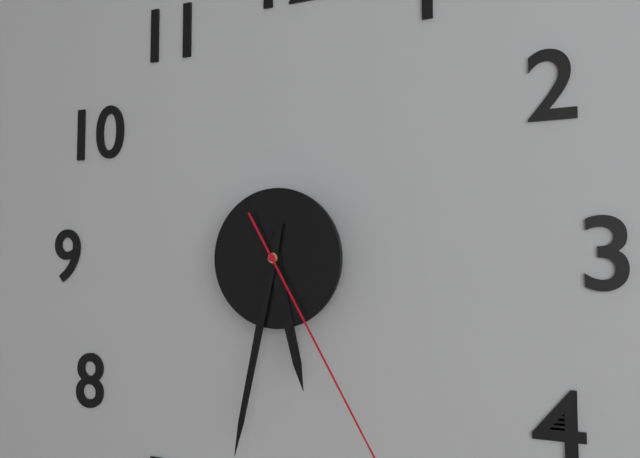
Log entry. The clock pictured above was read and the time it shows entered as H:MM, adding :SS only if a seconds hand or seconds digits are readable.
5:32
